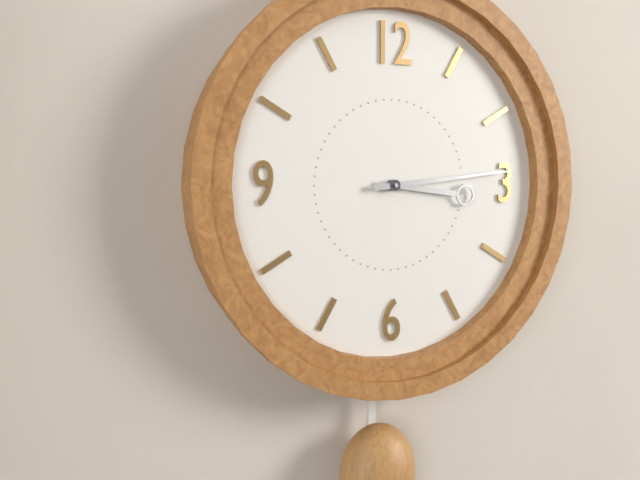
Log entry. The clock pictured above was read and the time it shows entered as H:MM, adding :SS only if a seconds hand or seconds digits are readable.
3:14
